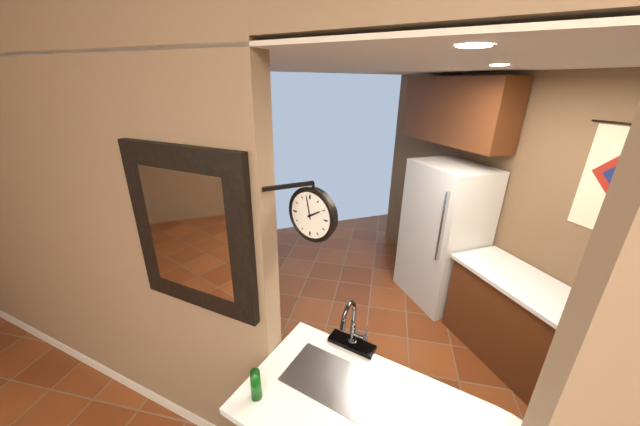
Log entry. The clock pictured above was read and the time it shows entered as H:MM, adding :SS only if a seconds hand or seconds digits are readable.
1:58
